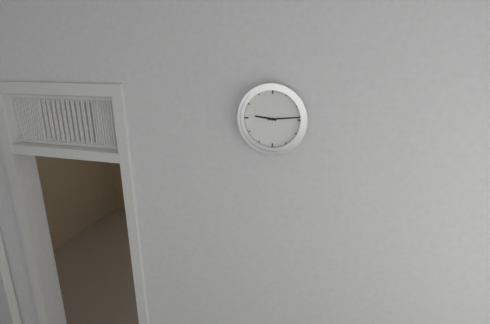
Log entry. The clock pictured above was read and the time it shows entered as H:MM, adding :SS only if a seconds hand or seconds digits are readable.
9:14
